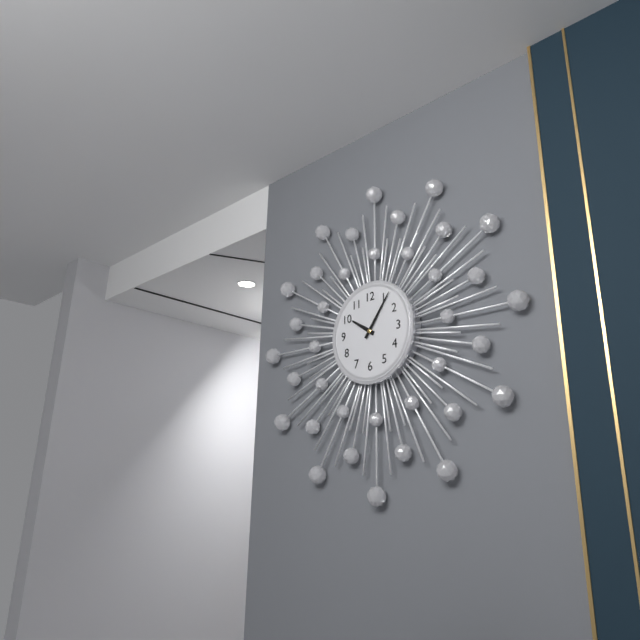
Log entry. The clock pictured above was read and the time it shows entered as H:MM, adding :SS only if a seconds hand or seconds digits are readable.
10:06
